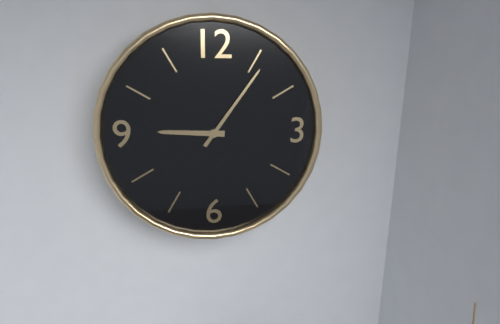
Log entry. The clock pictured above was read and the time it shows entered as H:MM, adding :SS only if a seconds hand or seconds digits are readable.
9:06
